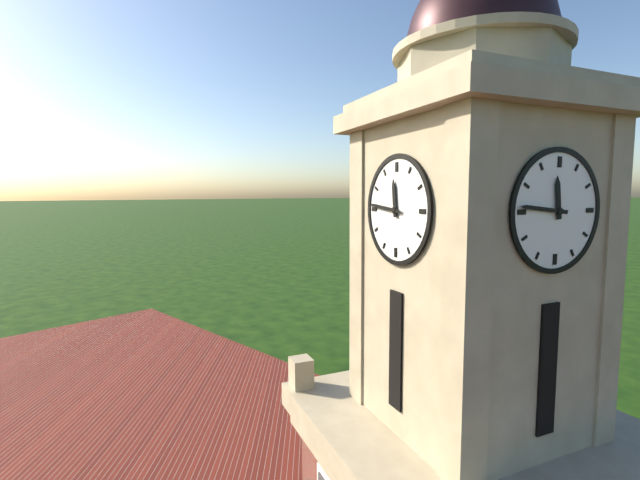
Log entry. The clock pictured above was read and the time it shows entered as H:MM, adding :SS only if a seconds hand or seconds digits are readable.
11:46
